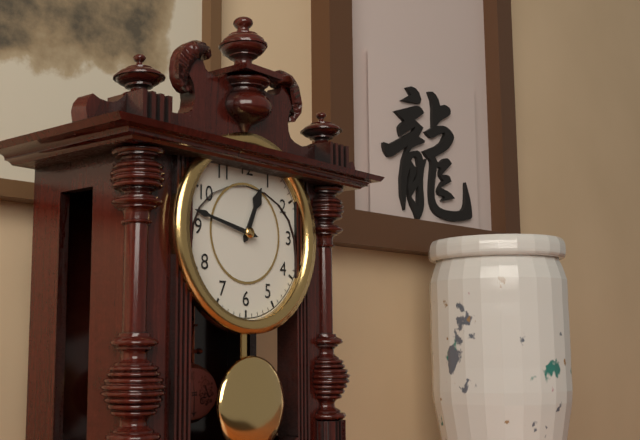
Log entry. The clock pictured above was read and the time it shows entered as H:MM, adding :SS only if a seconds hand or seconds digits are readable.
12:47
